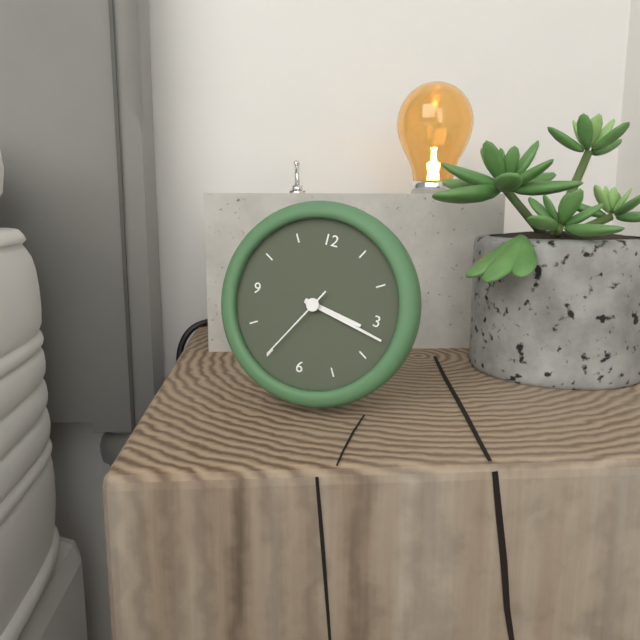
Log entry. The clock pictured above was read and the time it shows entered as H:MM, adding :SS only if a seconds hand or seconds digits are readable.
3:17:35
